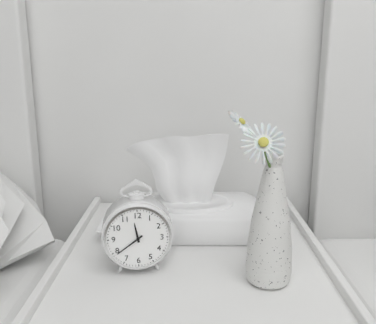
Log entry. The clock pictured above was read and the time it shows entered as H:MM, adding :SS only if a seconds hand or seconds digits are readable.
11:39
